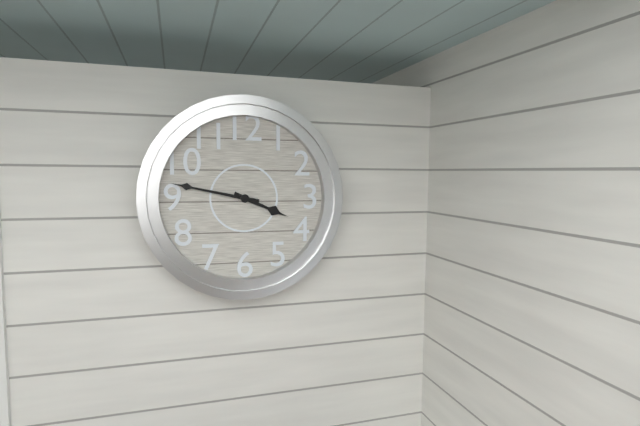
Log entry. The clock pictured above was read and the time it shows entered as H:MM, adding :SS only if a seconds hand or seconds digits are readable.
3:47
